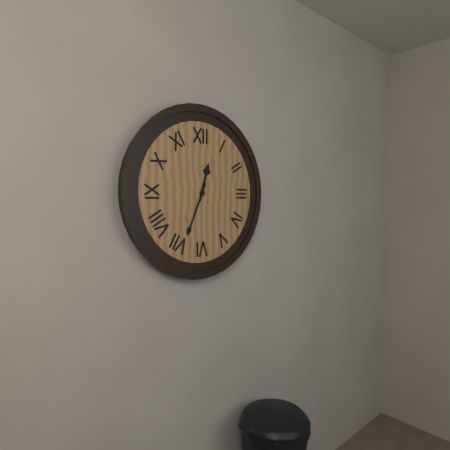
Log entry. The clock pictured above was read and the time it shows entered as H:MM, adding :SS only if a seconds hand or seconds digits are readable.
12:34
